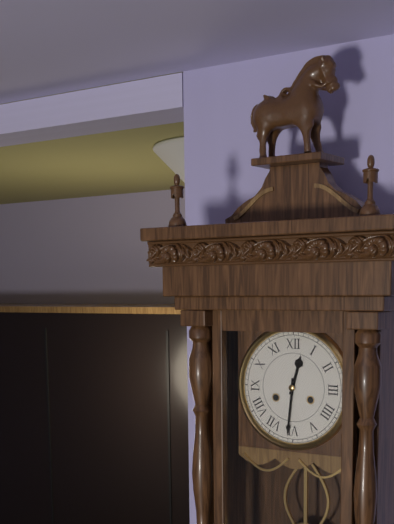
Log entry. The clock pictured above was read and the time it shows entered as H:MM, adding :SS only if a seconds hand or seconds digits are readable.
12:31
